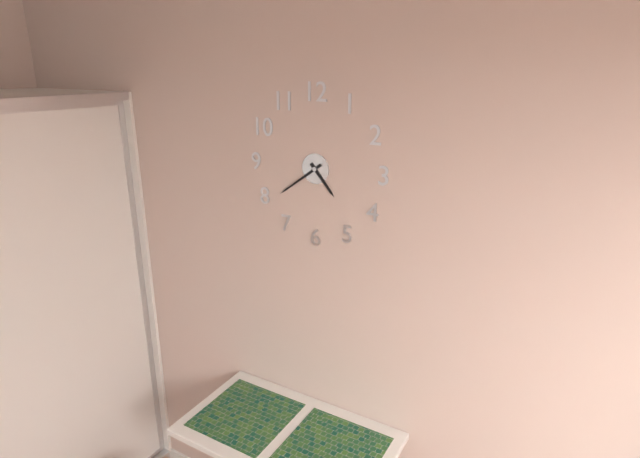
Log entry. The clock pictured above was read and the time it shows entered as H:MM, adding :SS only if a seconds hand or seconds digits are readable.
4:39
